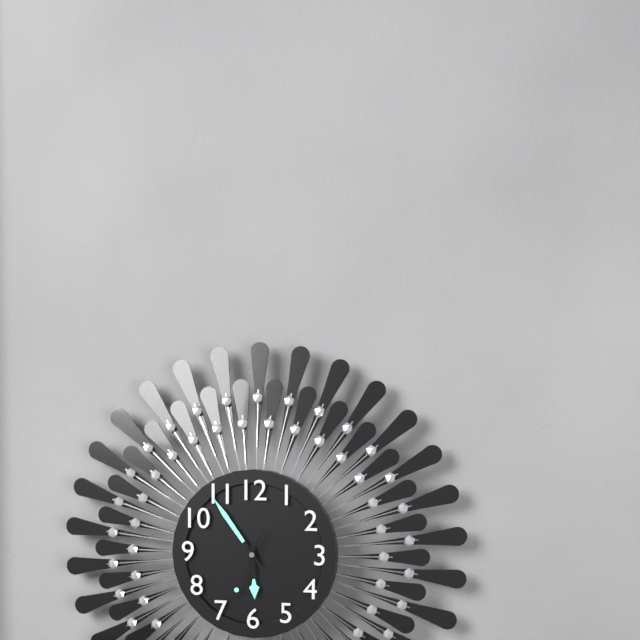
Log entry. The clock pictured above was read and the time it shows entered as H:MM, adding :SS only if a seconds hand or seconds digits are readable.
5:54:34
